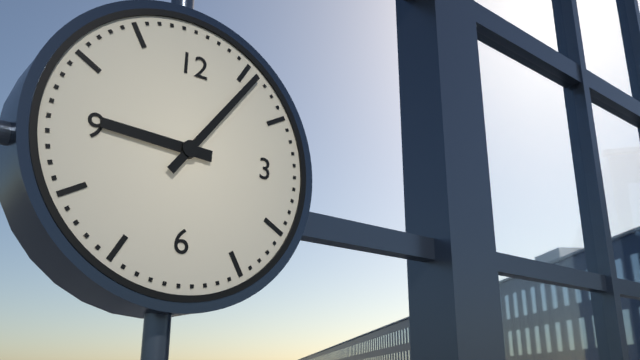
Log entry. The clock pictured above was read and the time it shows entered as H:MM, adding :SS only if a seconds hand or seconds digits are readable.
9:06
